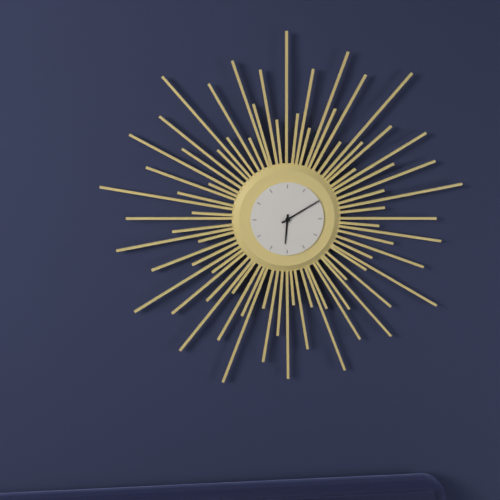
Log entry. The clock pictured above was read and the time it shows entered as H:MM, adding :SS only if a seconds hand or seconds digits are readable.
6:10
